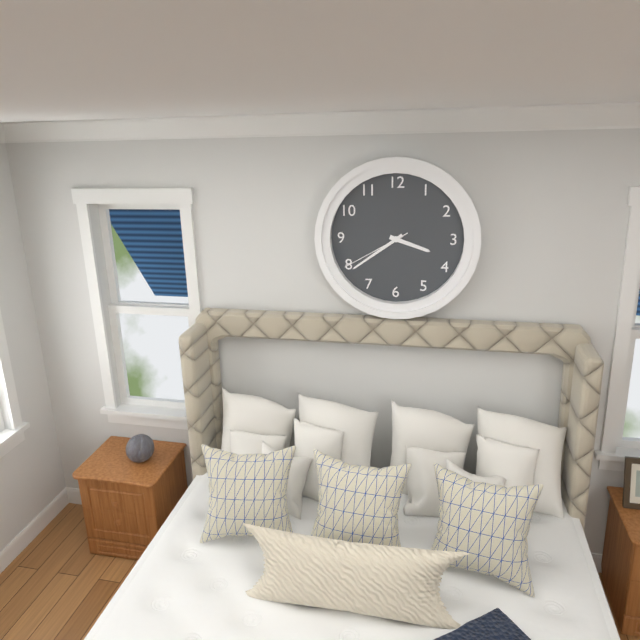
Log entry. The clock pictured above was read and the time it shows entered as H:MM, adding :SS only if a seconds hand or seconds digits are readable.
3:39:40
